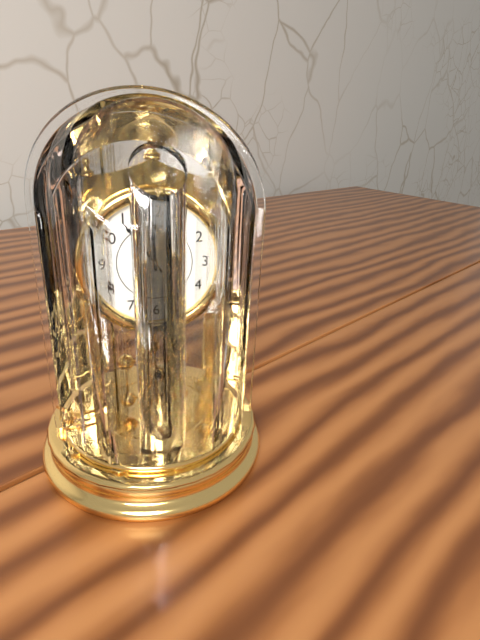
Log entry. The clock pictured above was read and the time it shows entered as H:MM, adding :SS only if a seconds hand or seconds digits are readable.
11:54
